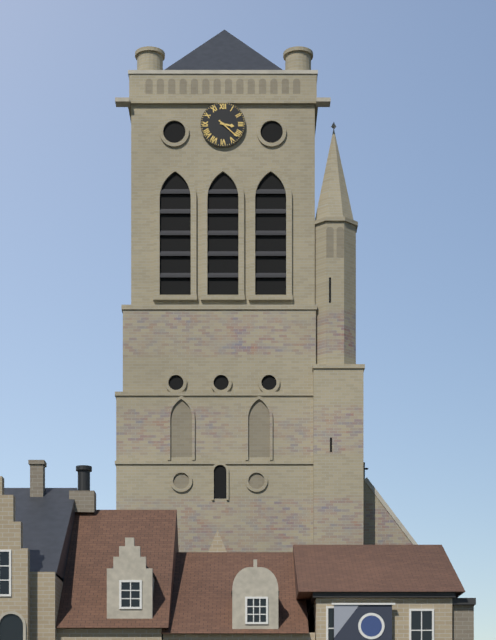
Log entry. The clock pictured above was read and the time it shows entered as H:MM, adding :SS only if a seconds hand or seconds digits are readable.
3:22
